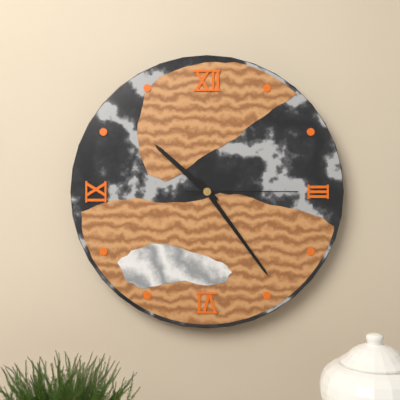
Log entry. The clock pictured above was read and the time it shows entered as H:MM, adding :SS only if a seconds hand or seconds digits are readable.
10:24:15
